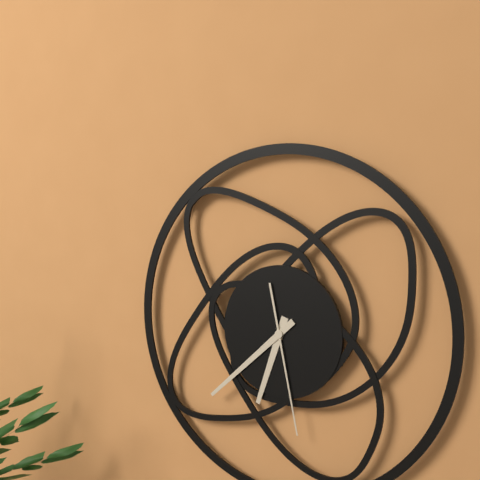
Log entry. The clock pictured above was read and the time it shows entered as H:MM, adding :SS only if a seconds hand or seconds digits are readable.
6:38:28
